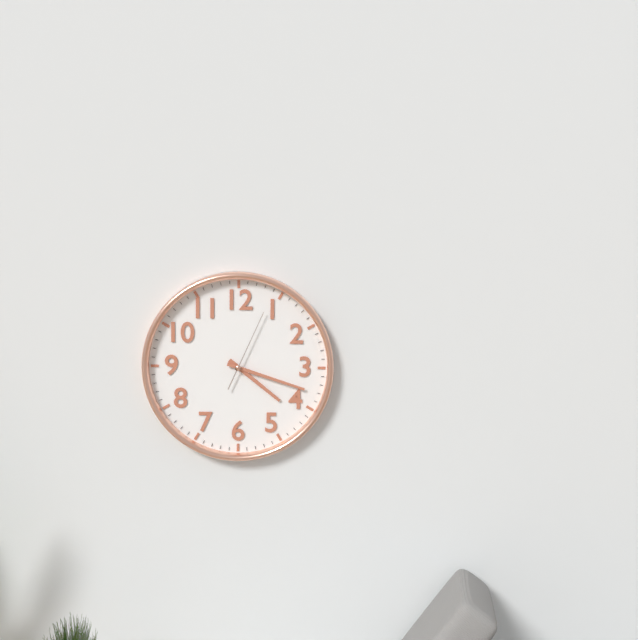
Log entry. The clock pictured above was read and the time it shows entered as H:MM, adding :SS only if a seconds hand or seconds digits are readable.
4:18:04
